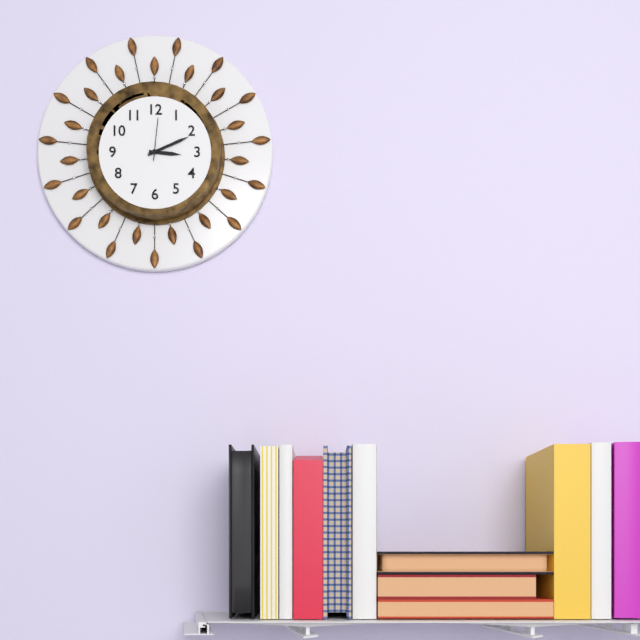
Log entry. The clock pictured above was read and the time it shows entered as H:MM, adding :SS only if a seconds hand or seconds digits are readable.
3:11
